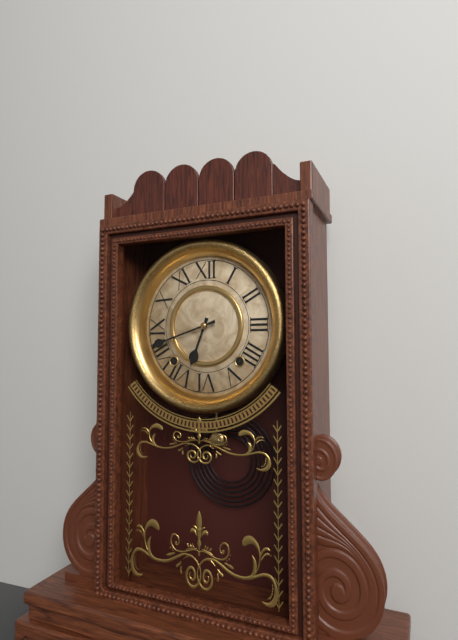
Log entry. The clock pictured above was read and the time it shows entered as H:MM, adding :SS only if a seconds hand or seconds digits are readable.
6:42
